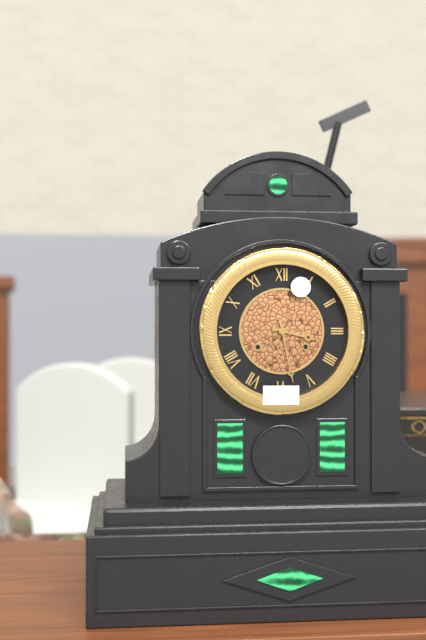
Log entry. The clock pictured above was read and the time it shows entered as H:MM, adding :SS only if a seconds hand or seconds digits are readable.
3:28
